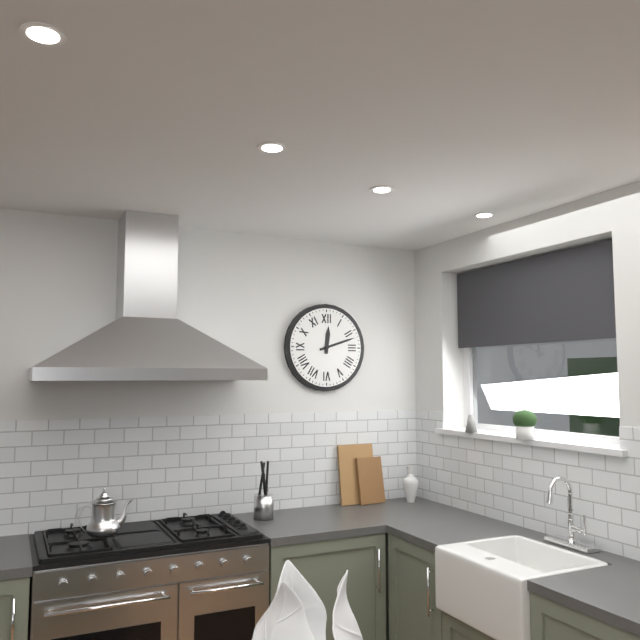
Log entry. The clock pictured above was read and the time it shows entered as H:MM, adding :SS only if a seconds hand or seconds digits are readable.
12:12
